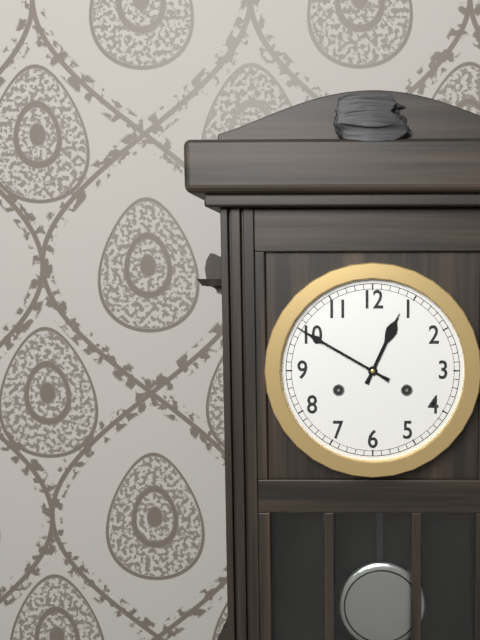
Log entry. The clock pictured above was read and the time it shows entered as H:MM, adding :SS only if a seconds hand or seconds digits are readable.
12:50
